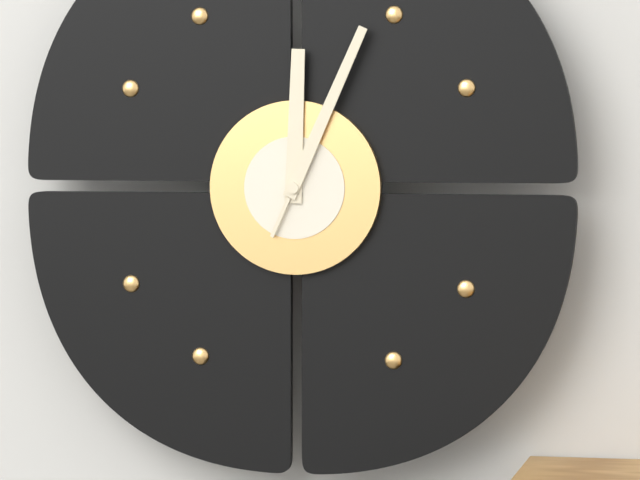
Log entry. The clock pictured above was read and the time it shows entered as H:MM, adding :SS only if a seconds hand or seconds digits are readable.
12:04
